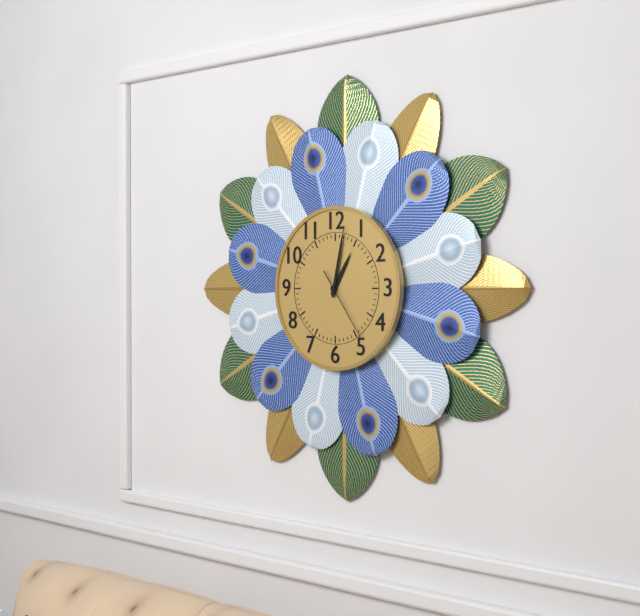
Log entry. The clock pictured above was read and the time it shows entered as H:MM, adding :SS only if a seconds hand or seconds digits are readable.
1:02:24
